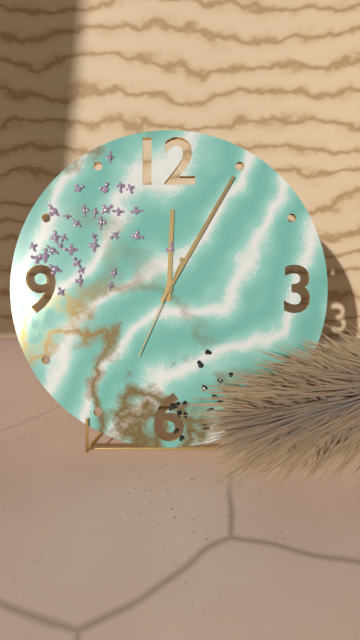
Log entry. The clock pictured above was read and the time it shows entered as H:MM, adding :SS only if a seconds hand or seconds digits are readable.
12:05:34
